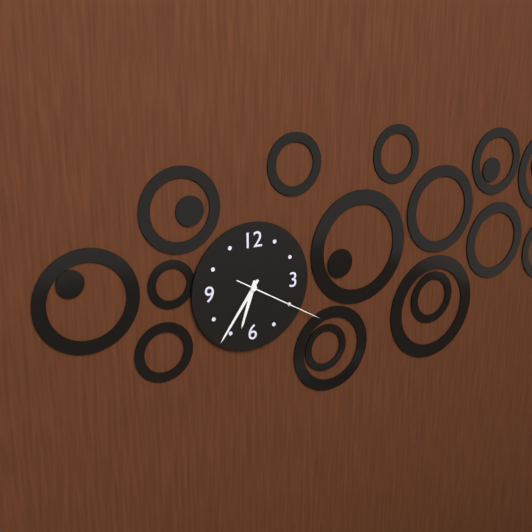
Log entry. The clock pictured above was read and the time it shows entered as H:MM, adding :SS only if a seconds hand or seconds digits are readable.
6:36:20
